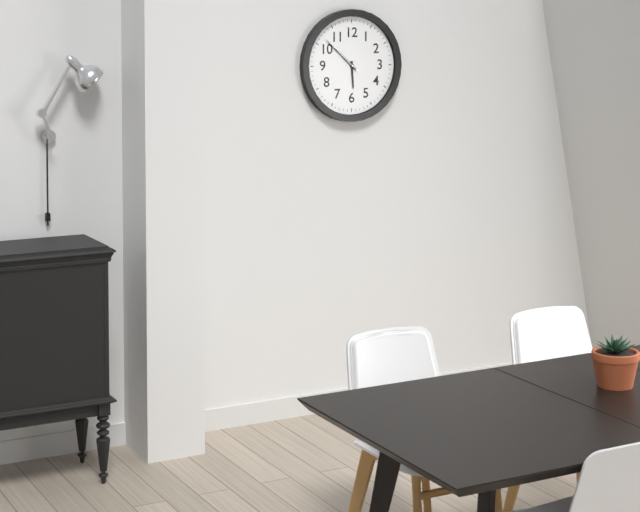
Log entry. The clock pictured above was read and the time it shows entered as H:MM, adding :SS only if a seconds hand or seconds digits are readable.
5:52
